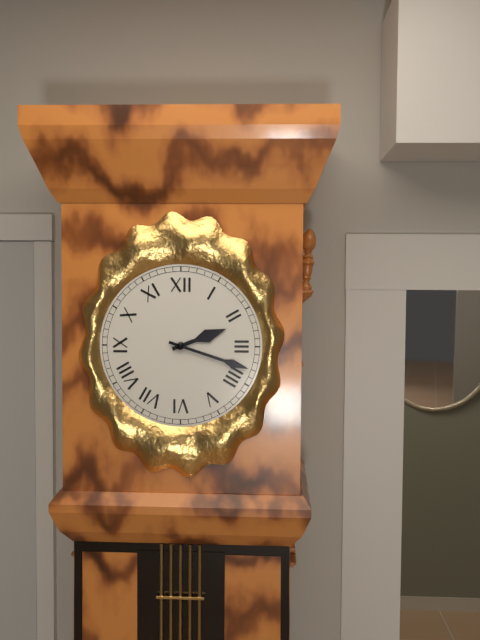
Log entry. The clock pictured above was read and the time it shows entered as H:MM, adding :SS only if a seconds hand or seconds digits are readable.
2:18
